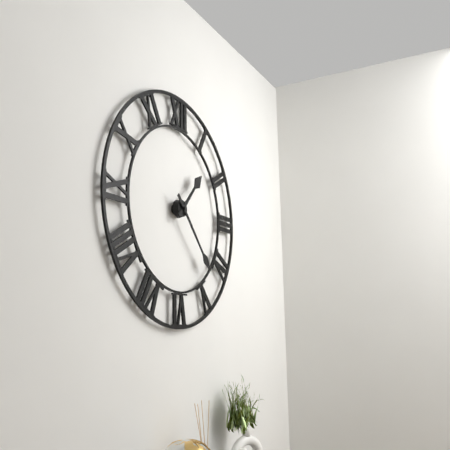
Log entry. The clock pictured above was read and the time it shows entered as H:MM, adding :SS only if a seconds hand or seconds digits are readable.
1:23
